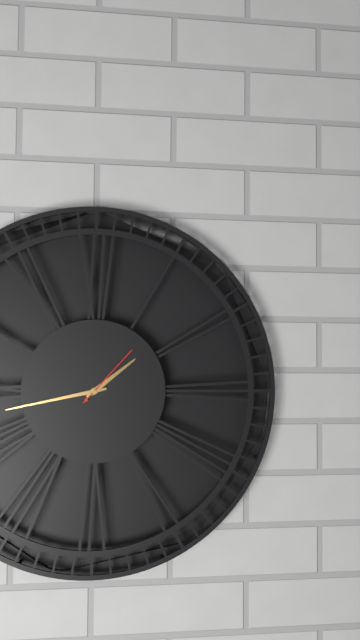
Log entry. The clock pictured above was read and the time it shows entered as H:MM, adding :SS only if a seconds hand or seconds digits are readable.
1:43:07
